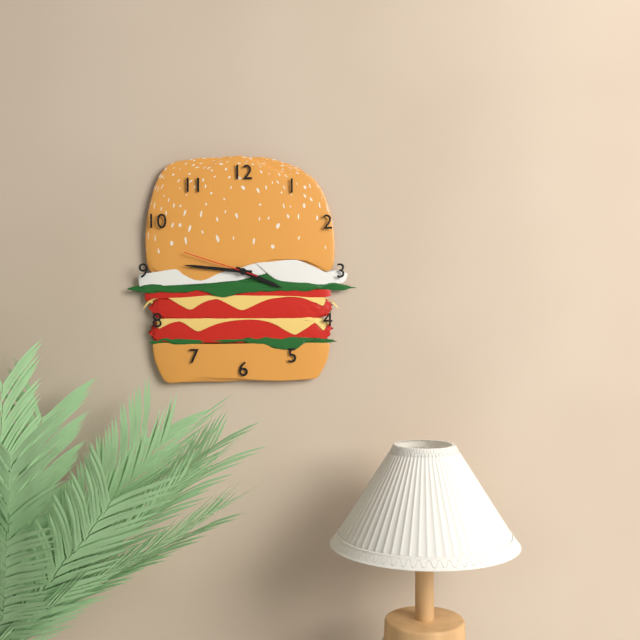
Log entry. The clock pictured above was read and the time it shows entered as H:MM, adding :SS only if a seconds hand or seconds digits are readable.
3:46:48
